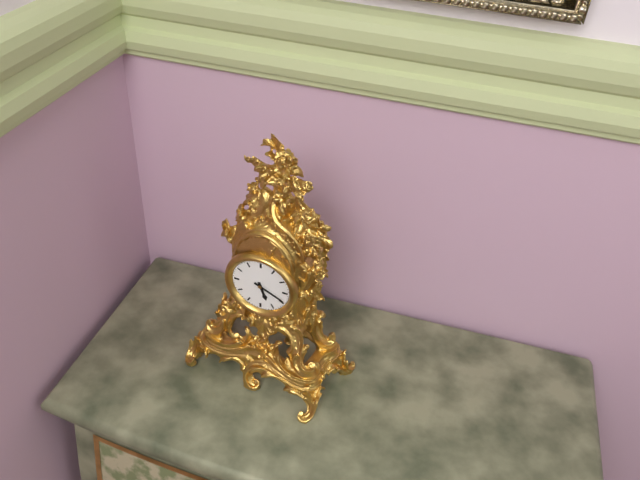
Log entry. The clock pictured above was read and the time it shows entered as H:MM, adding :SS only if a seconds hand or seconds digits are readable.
5:19
